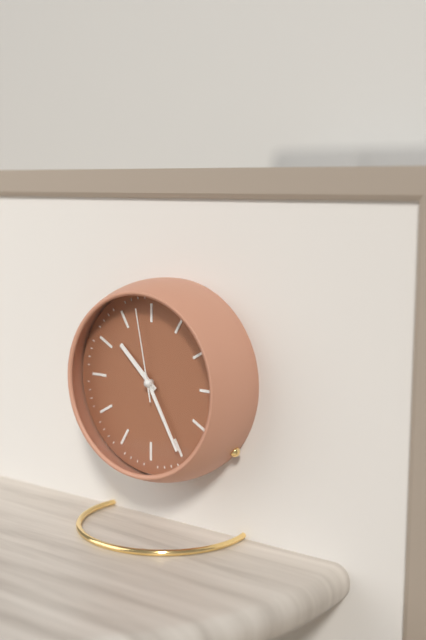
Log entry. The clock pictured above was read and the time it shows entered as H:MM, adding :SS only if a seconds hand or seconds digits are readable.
10:25:58
